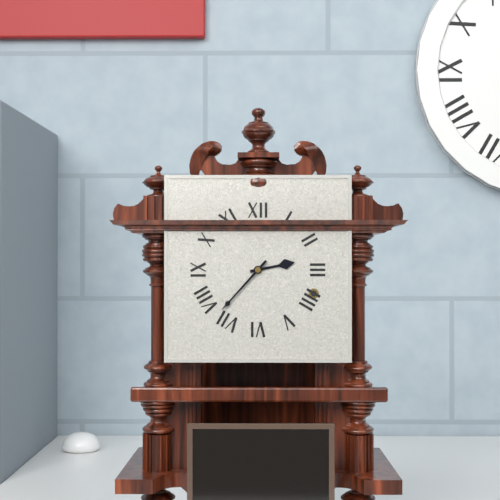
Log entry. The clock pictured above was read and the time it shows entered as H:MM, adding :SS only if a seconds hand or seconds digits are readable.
2:37
